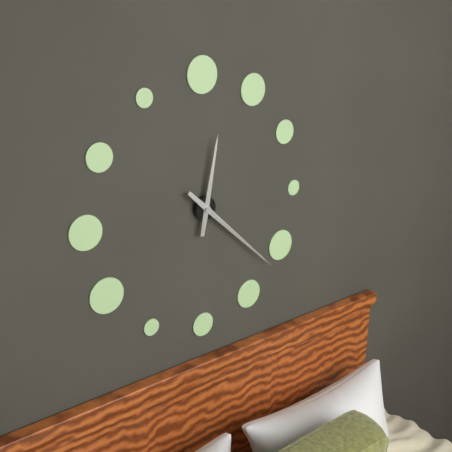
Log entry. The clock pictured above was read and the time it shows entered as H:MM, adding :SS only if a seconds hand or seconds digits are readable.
12:22
